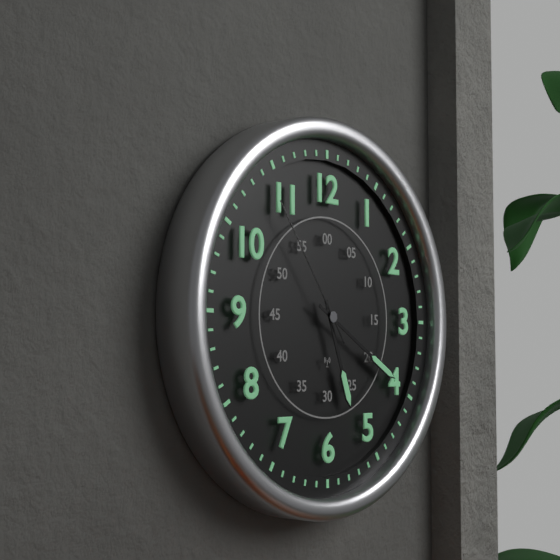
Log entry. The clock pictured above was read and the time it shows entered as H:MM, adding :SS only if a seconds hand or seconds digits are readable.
5:20:54
